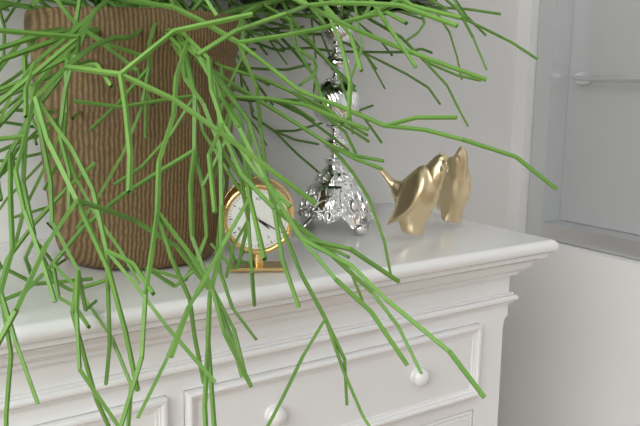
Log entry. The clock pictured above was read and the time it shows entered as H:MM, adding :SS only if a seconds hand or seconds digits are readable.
4:20
